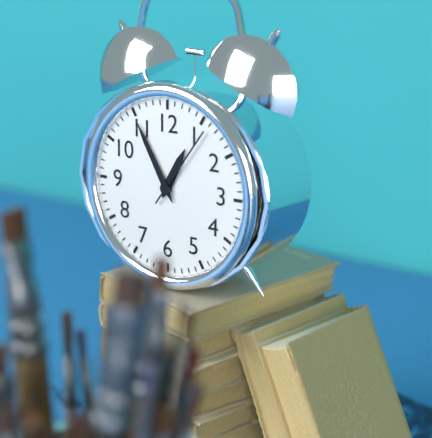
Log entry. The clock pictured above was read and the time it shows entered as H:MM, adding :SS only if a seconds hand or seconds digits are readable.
12:55:06
